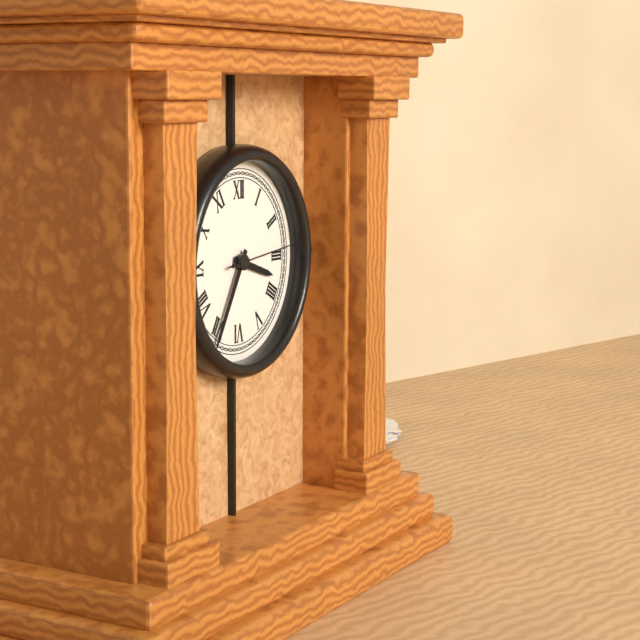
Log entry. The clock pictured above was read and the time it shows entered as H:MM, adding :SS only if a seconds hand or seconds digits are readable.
3:35:14
